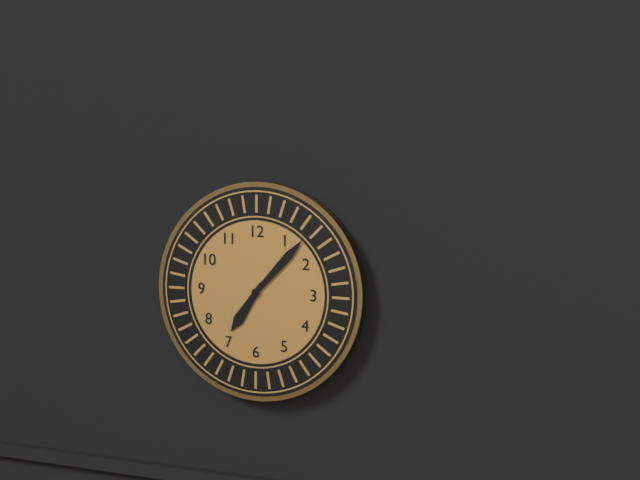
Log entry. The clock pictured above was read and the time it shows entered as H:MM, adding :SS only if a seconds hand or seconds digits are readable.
7:07
